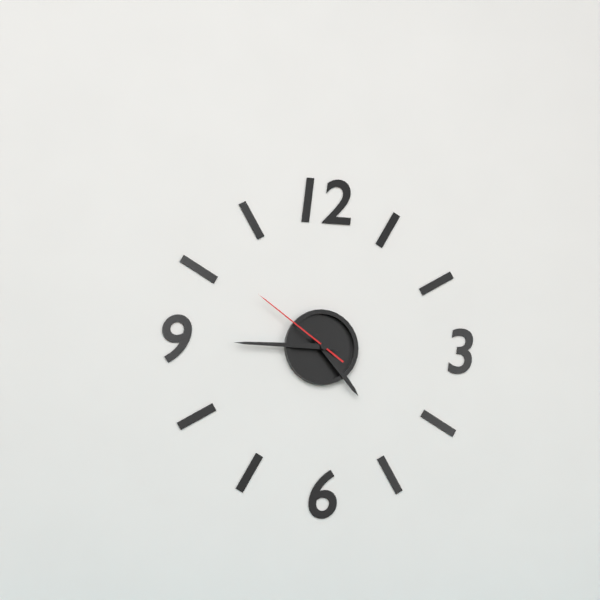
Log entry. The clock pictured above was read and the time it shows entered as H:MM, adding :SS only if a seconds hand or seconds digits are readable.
4:45:51
